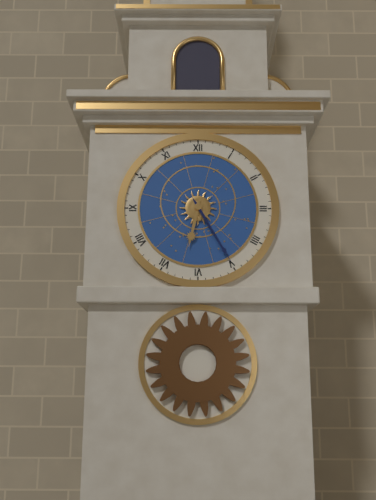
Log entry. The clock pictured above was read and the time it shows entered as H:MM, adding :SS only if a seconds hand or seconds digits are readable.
6:25
